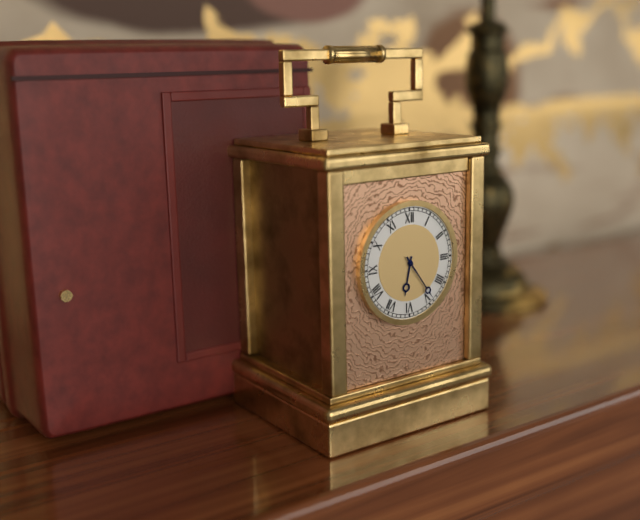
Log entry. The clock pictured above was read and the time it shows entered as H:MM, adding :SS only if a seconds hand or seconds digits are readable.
6:24
